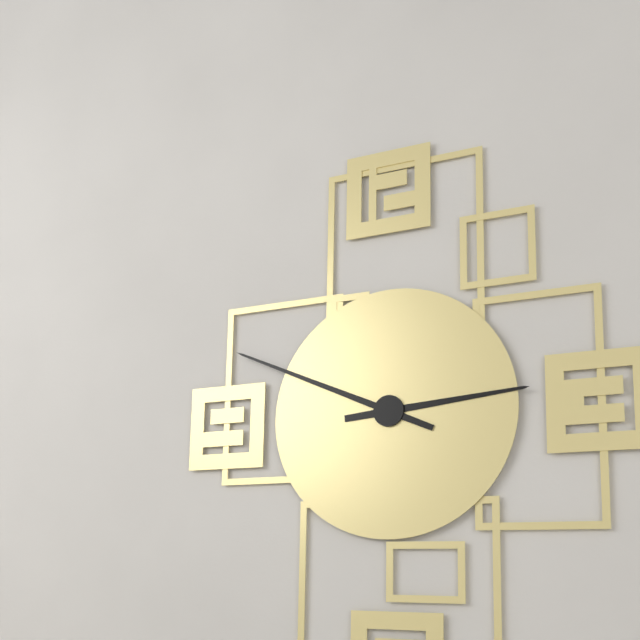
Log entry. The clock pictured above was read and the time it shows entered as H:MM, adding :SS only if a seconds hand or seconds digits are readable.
2:49
